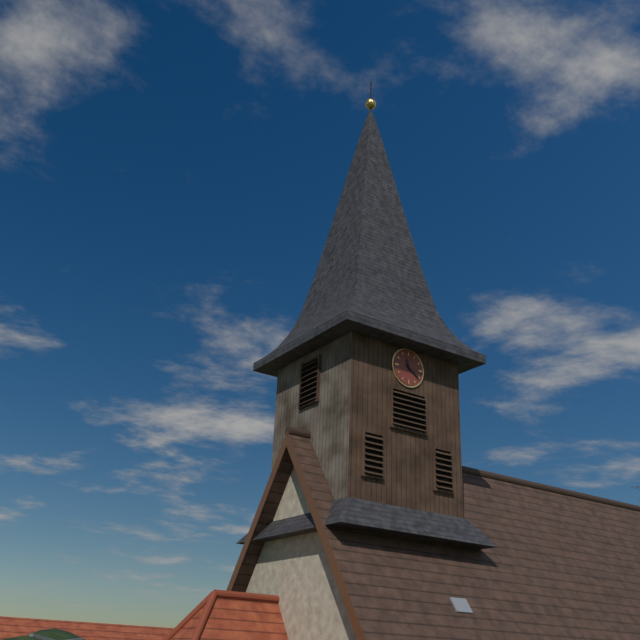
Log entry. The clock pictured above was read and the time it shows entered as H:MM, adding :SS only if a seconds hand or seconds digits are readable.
11:21
